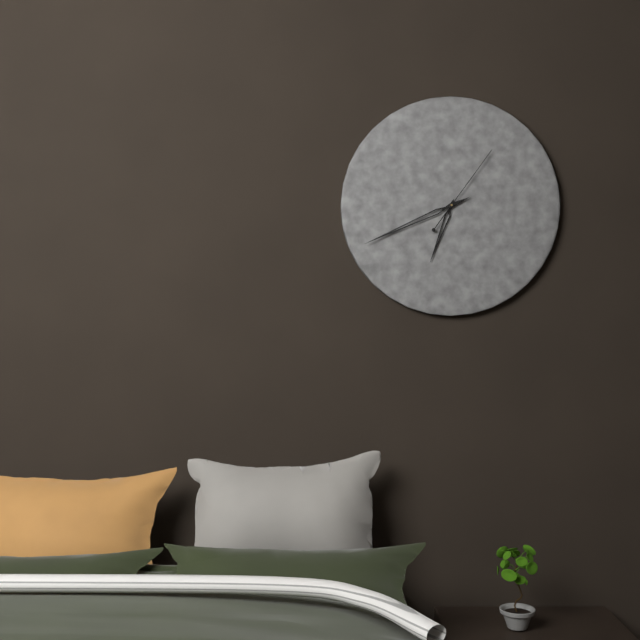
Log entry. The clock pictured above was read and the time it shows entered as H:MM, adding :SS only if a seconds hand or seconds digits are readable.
6:41:06
